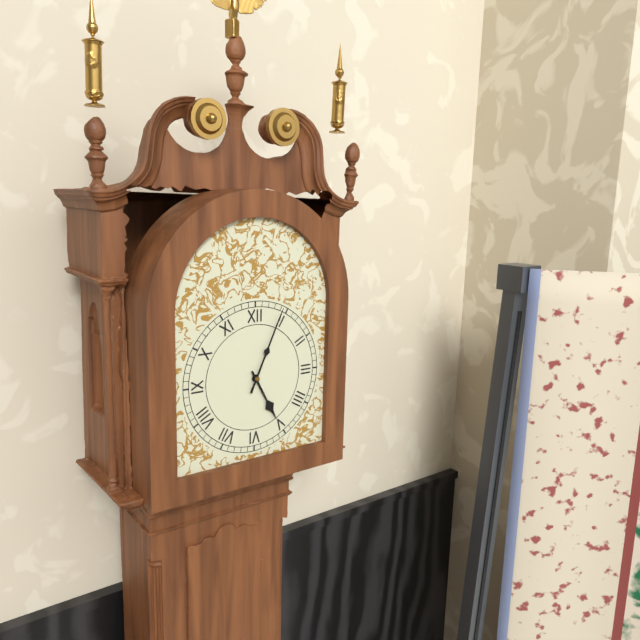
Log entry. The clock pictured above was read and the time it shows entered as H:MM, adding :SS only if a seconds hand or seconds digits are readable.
5:04
